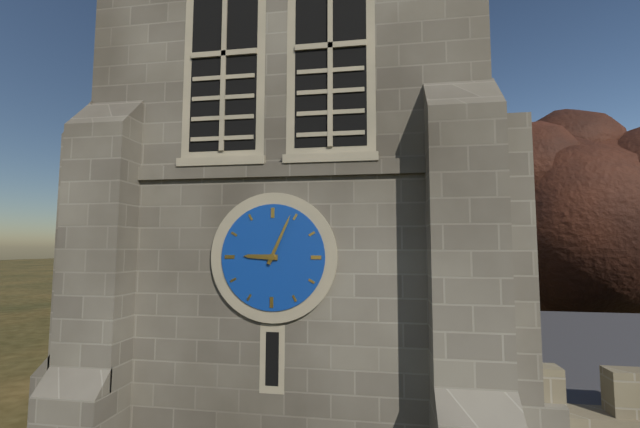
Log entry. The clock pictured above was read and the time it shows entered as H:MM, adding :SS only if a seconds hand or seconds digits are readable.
9:04
